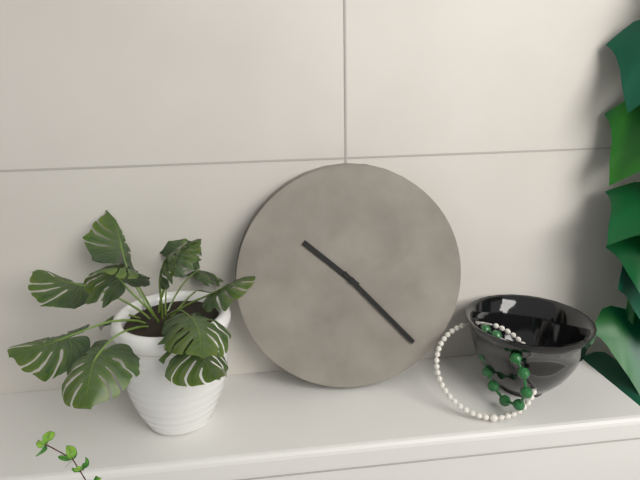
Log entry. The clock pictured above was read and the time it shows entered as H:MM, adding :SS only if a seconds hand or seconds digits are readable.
10:23
